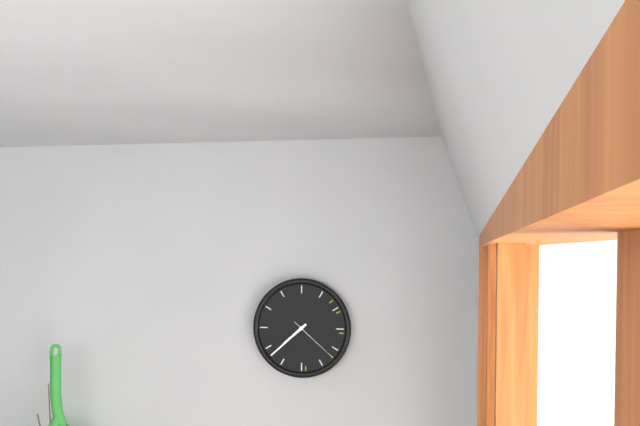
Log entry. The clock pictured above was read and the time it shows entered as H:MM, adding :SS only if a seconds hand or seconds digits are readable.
7:38:22
